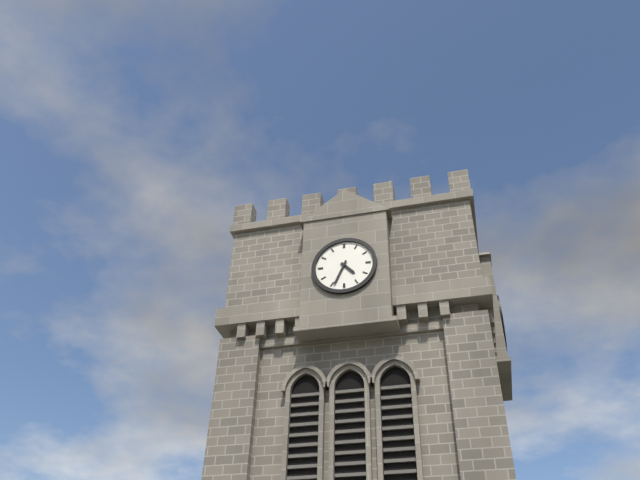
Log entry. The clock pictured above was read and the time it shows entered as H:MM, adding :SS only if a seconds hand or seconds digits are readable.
4:34
